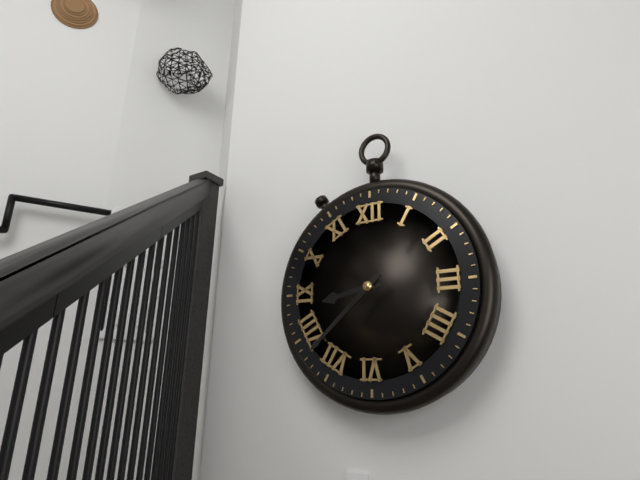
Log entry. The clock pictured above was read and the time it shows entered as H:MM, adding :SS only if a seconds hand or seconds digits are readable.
8:38
